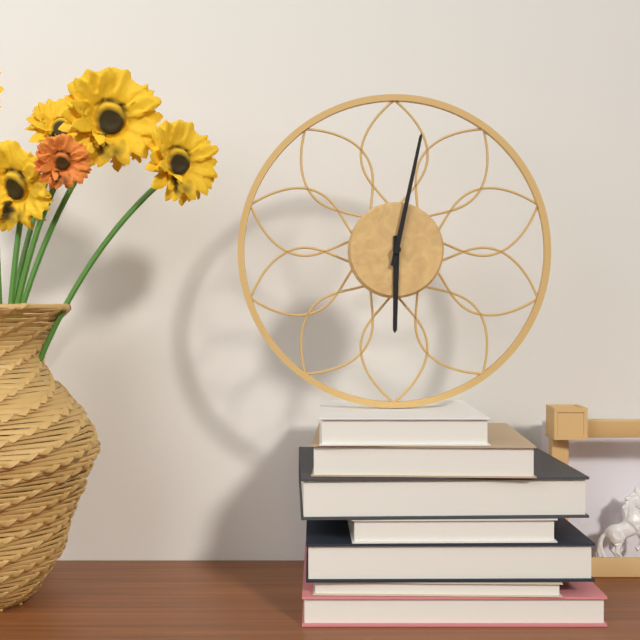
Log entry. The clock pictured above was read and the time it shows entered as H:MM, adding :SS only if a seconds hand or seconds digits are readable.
6:02
